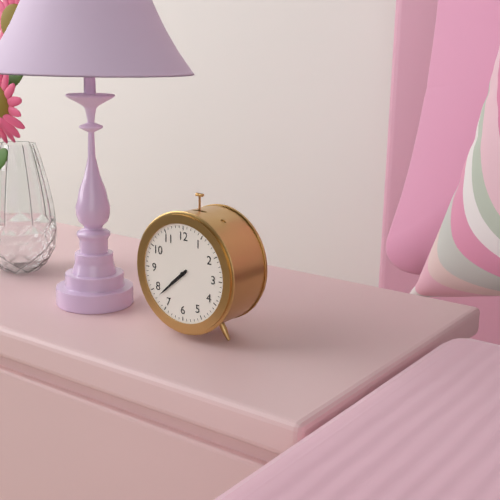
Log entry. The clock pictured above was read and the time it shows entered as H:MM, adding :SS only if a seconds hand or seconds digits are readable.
7:38
